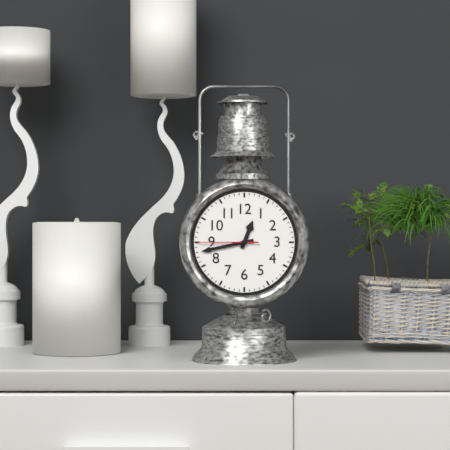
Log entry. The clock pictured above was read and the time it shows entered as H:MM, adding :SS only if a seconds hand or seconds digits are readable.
12:43:45
